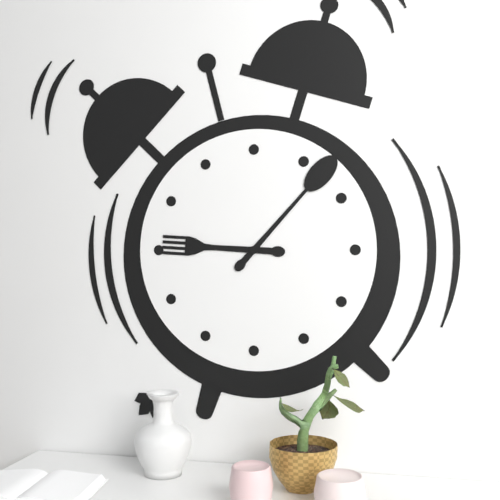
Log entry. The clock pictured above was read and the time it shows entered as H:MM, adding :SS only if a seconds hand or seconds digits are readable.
9:07
